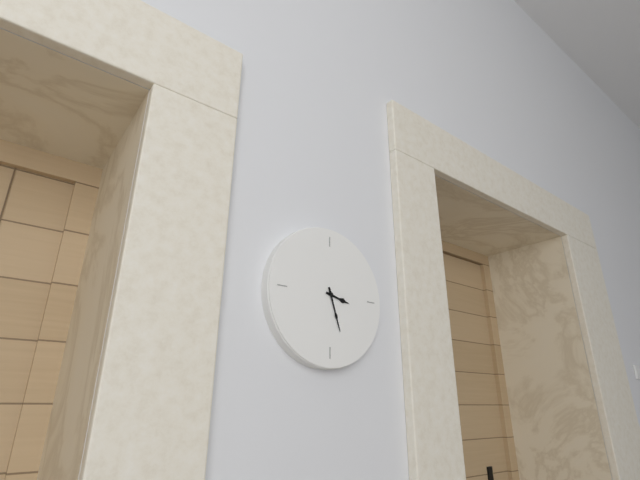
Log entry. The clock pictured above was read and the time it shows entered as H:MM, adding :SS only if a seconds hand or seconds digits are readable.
3:27
